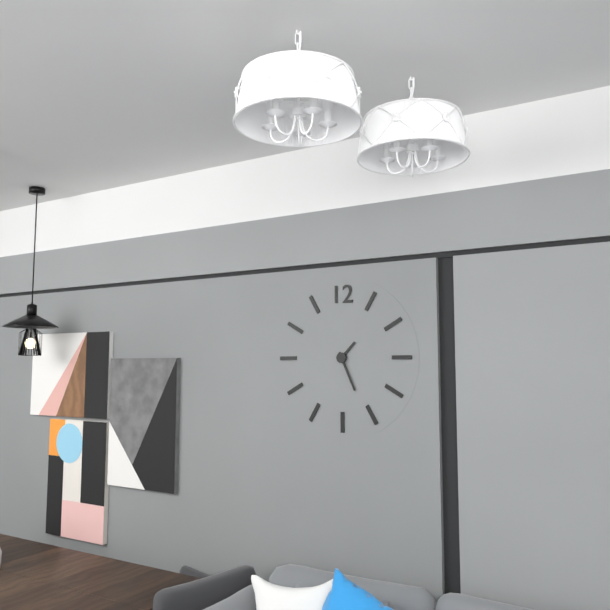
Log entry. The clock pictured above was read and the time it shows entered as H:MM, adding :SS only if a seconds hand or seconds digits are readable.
1:26
